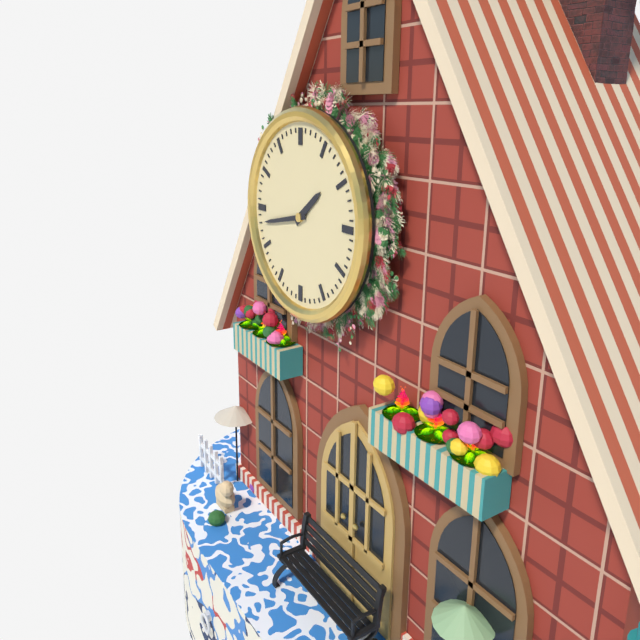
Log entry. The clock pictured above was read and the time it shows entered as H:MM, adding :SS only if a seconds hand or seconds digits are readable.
1:43
